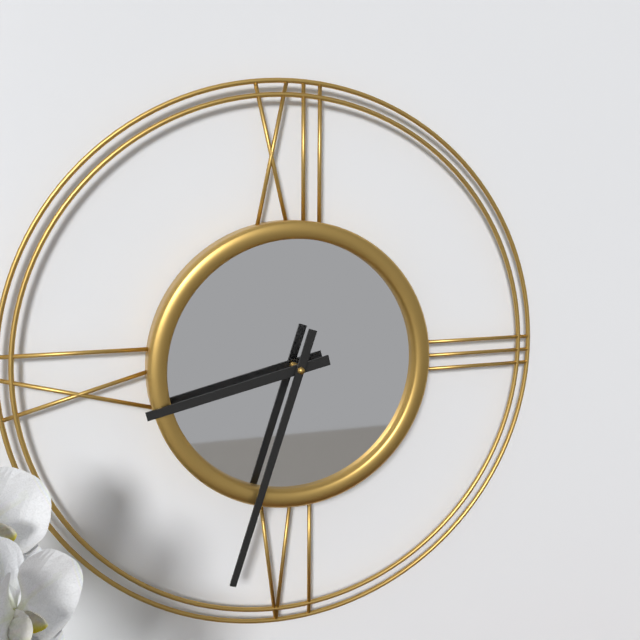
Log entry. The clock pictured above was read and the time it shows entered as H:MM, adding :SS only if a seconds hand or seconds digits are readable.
8:33
